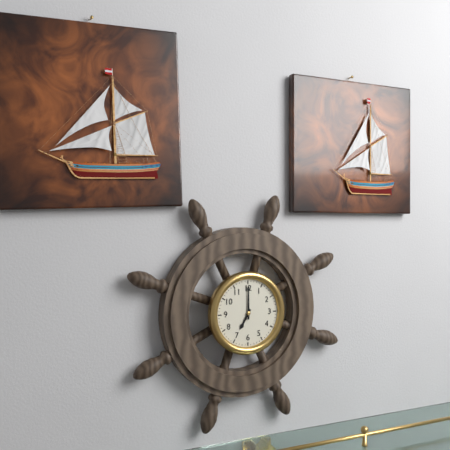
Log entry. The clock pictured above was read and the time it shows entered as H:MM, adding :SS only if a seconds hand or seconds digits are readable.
7:00
